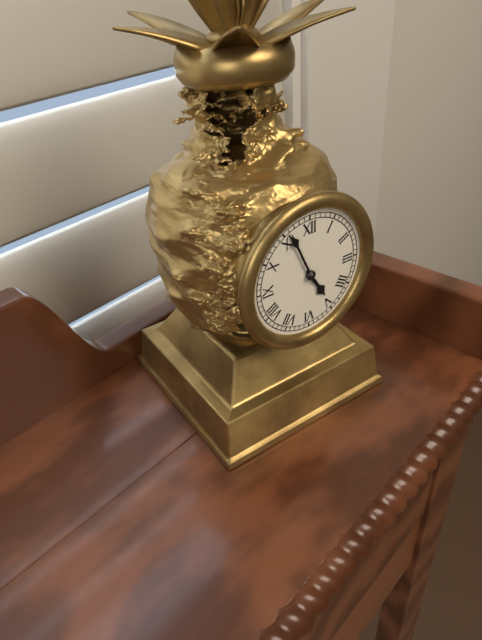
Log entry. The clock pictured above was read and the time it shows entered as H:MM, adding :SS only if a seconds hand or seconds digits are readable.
4:56
